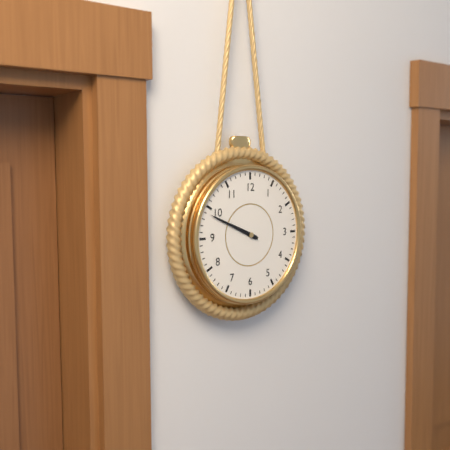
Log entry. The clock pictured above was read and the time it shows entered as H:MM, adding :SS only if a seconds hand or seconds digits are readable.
9:49
